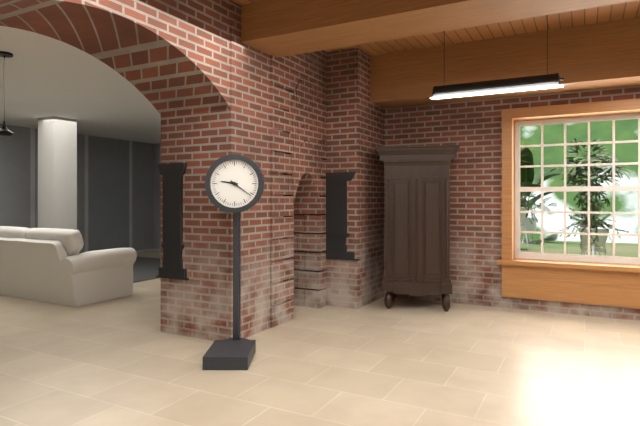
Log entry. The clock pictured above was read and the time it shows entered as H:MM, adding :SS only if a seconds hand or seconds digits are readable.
9:21
